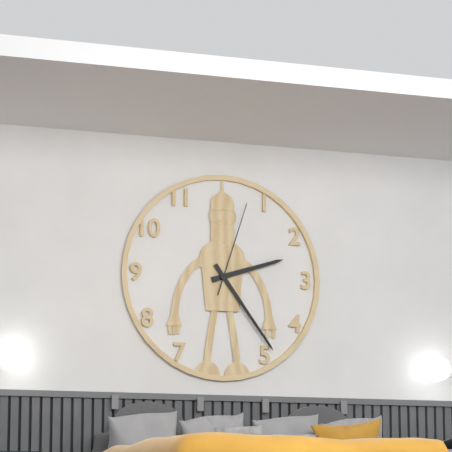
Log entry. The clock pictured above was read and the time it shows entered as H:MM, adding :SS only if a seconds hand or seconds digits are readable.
2:24:03
